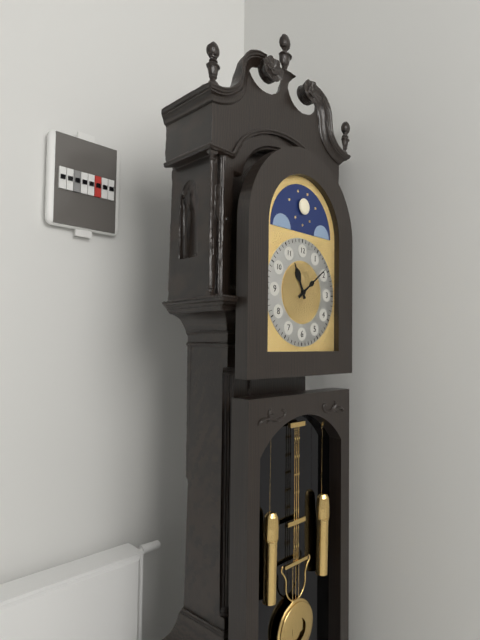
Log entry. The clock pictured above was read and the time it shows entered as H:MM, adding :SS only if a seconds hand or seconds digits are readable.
11:09
